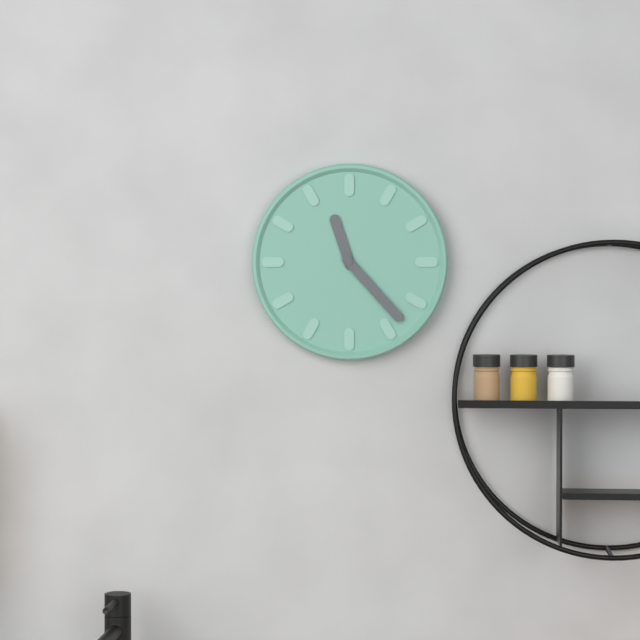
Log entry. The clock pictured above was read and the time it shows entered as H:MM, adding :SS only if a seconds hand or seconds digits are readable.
11:23
